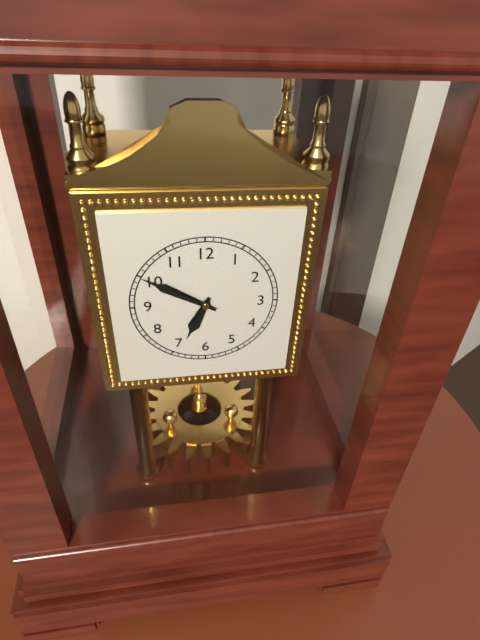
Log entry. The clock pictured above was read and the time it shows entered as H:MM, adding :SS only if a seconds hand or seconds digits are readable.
6:50
